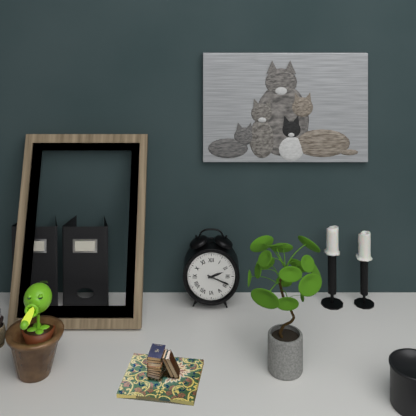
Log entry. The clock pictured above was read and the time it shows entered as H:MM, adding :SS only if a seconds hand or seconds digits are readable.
2:19
